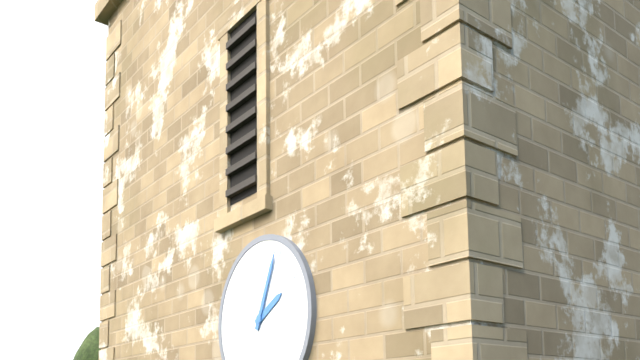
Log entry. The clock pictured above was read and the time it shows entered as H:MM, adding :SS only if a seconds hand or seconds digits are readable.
2:04
